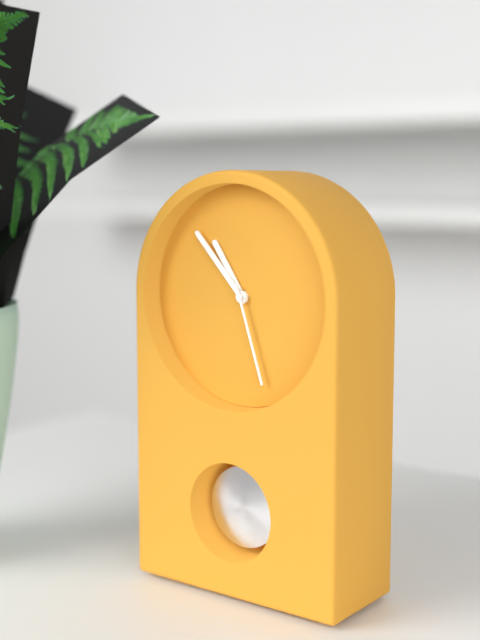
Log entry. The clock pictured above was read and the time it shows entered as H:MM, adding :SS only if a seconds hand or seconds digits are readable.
10:53:27
